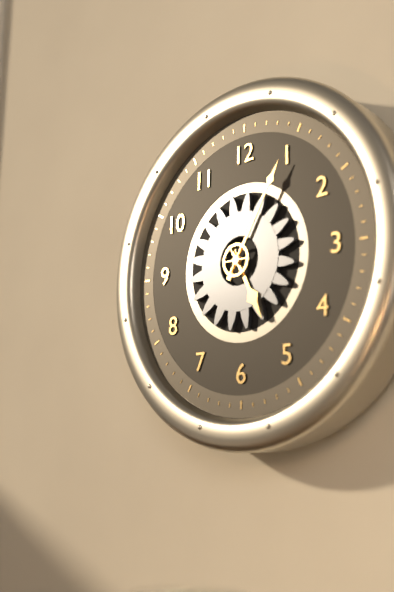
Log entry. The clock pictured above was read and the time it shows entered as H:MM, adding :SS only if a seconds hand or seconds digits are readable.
5:05
